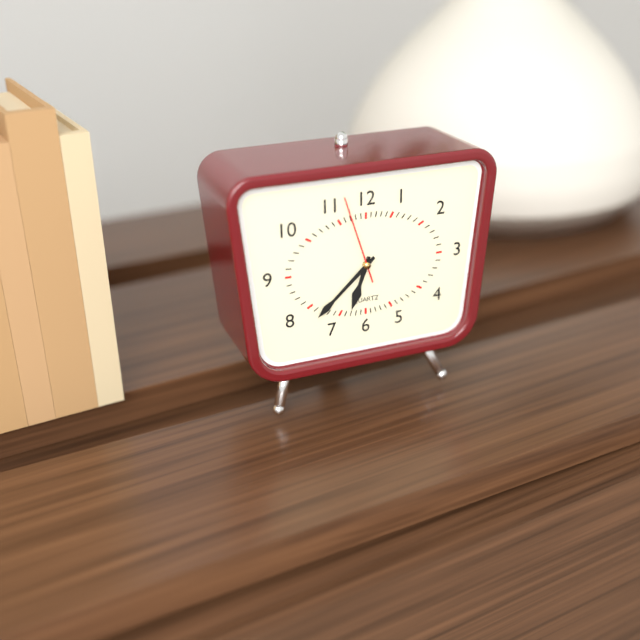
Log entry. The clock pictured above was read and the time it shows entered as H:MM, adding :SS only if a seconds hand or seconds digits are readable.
6:38:57
